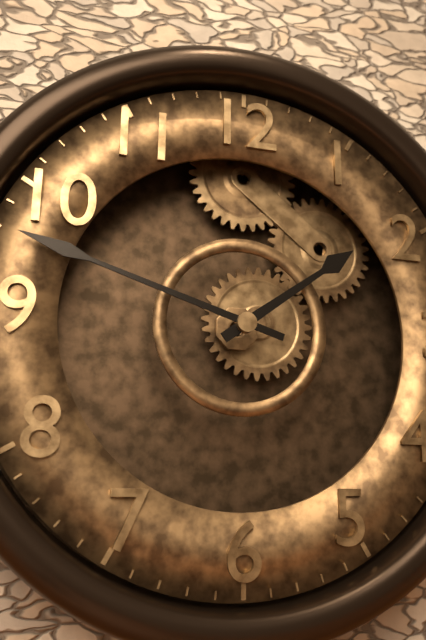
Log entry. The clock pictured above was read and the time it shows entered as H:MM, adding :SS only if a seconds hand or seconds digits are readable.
1:48
